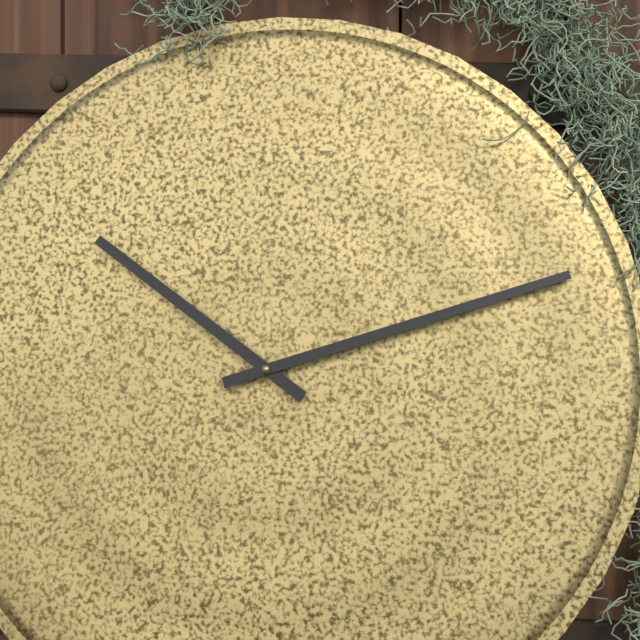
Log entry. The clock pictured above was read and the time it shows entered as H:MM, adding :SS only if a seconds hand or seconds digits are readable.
10:12
